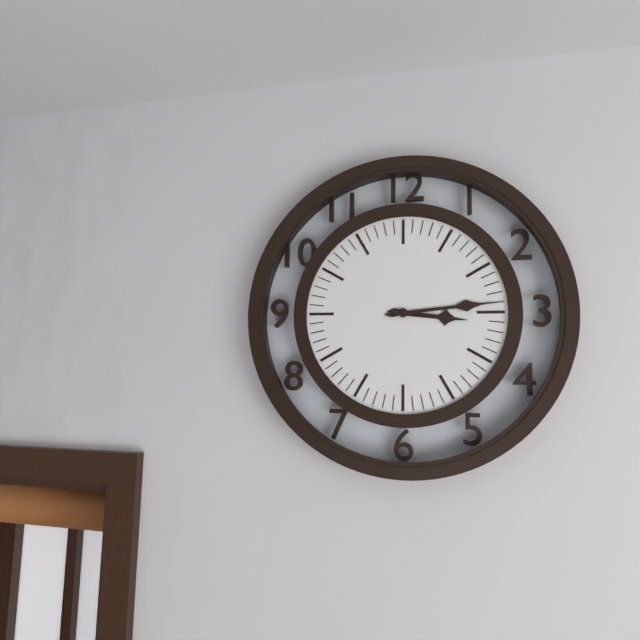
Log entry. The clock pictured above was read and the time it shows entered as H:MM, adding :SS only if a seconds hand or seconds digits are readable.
3:14
